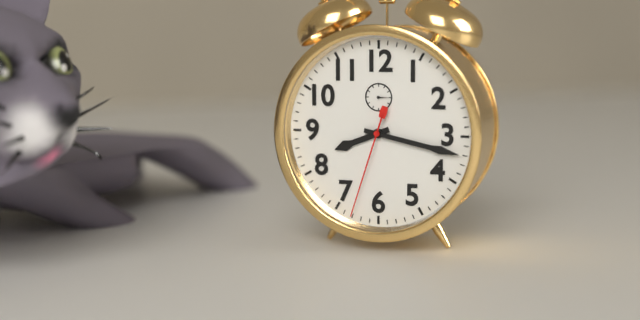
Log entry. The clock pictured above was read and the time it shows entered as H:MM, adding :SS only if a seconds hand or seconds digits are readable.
8:17:33
